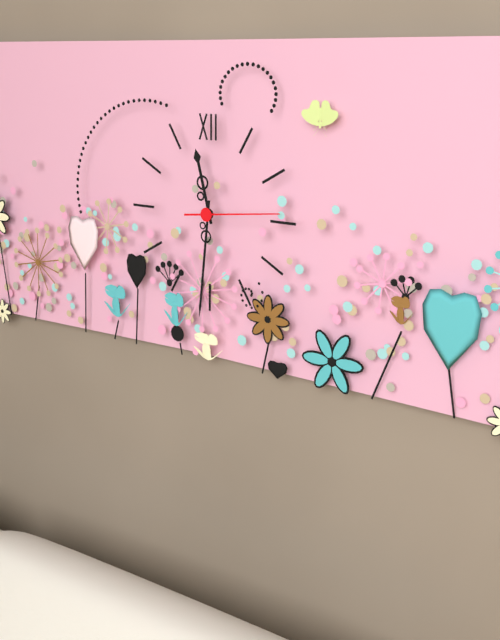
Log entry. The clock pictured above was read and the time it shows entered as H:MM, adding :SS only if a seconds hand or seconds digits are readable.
11:31:14
